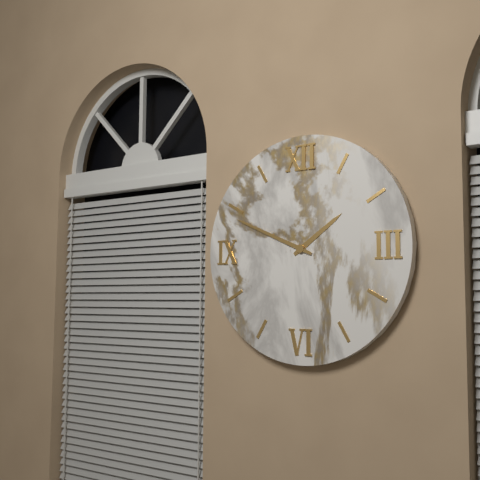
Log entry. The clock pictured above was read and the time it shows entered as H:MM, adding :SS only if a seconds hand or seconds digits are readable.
1:49
